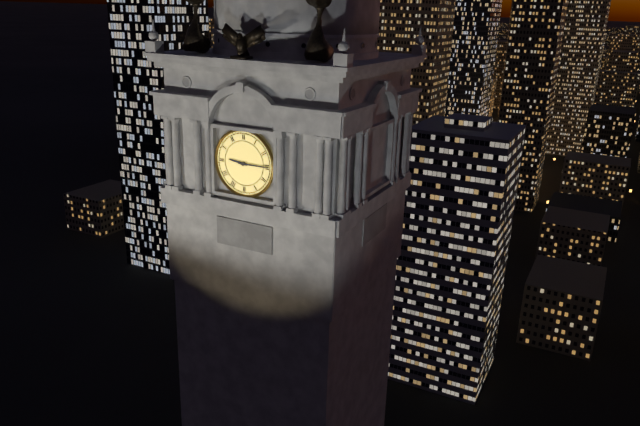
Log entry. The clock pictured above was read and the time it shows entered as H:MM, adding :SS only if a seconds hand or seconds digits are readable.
9:15
